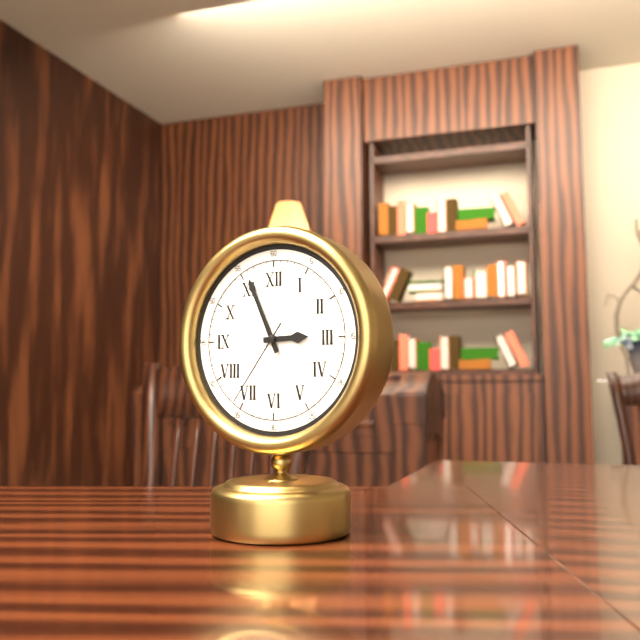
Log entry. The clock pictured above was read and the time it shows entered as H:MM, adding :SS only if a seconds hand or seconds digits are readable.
2:56:36
